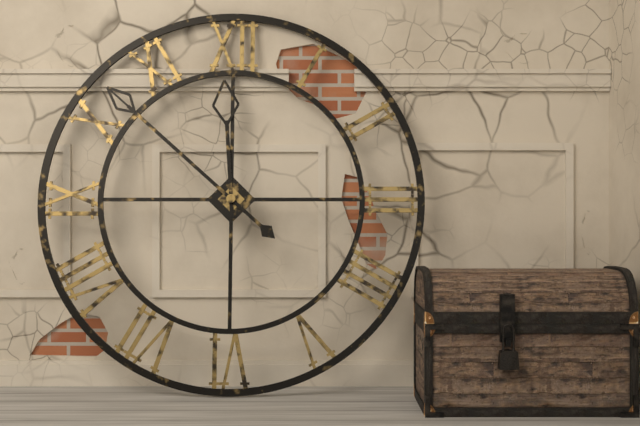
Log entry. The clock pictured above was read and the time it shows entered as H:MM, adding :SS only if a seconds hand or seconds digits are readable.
11:52
